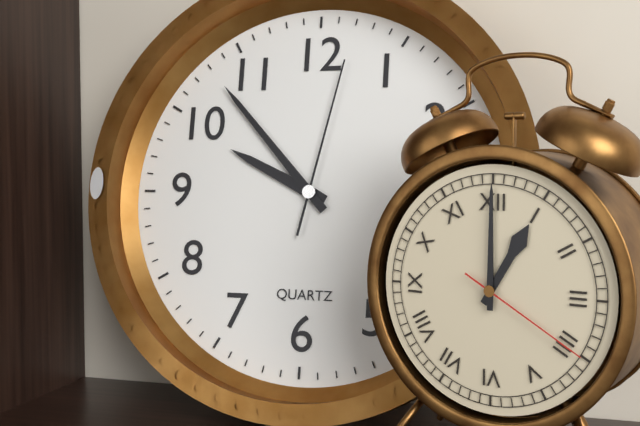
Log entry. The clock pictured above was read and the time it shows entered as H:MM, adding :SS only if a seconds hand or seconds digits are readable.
9:53:02
